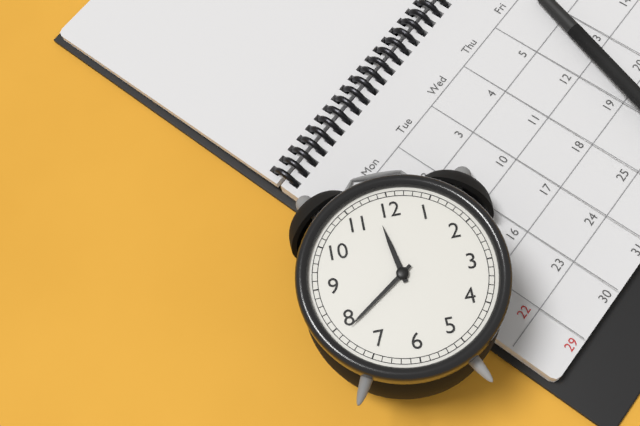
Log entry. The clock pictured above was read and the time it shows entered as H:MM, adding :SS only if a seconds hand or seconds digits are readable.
11:39
